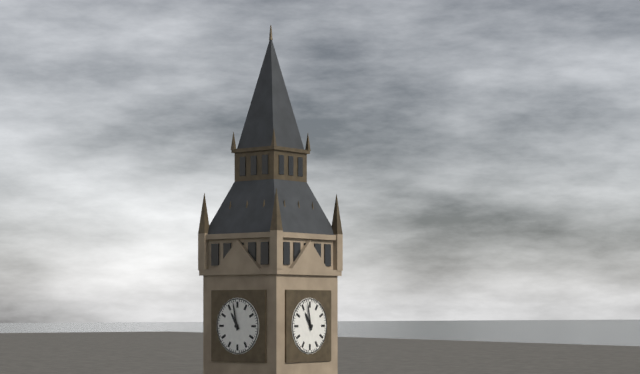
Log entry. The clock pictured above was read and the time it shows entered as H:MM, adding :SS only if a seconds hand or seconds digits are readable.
10:58
